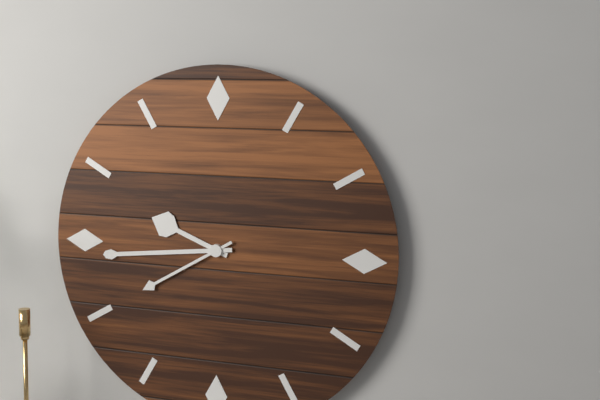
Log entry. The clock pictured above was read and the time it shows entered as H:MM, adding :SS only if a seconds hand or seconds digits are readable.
9:44:40
